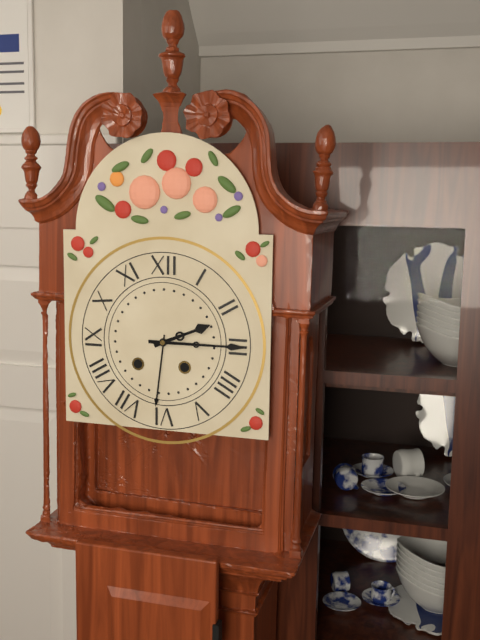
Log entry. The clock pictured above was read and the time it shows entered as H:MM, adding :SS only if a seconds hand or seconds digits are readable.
2:15
